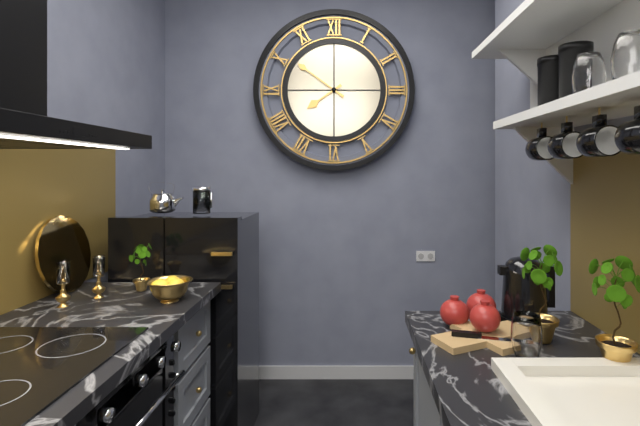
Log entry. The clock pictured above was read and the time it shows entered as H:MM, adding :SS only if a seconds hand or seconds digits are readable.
7:51
